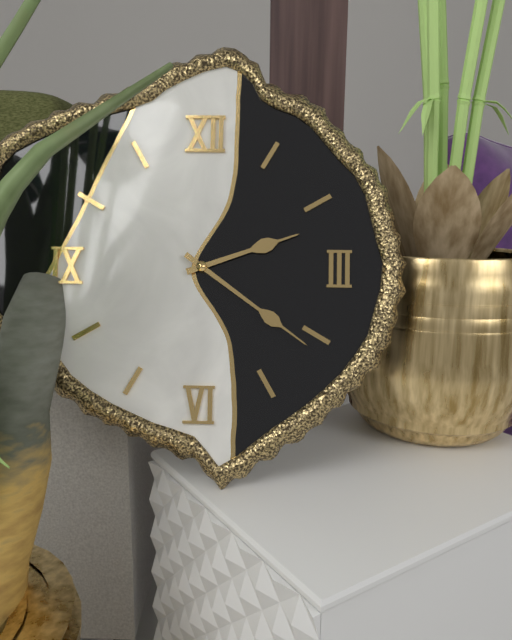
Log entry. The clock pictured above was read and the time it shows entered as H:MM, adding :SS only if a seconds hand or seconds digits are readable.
2:21
